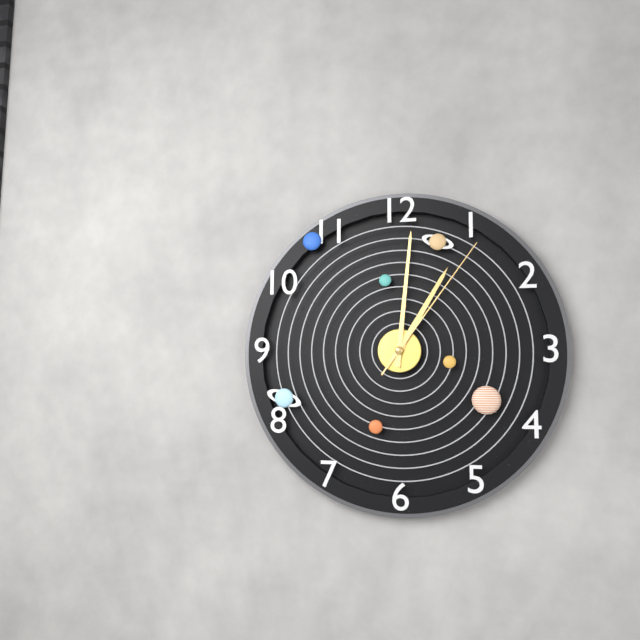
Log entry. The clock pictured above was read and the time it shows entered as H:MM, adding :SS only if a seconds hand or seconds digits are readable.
1:01:06
